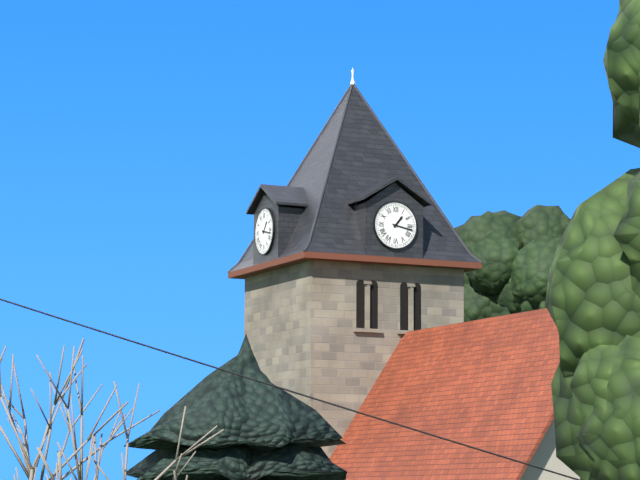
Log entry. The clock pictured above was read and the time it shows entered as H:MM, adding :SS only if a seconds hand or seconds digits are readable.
1:17
